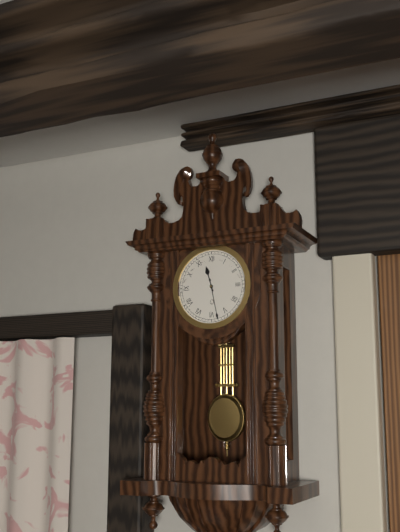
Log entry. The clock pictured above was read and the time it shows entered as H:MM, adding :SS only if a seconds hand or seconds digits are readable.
11:28
